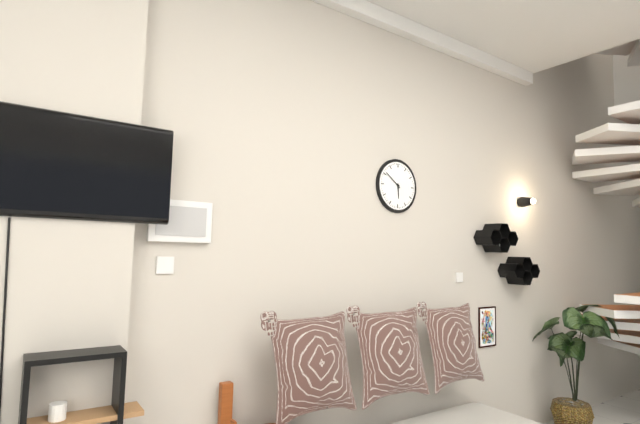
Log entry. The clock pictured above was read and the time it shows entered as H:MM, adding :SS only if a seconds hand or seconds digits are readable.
5:51
